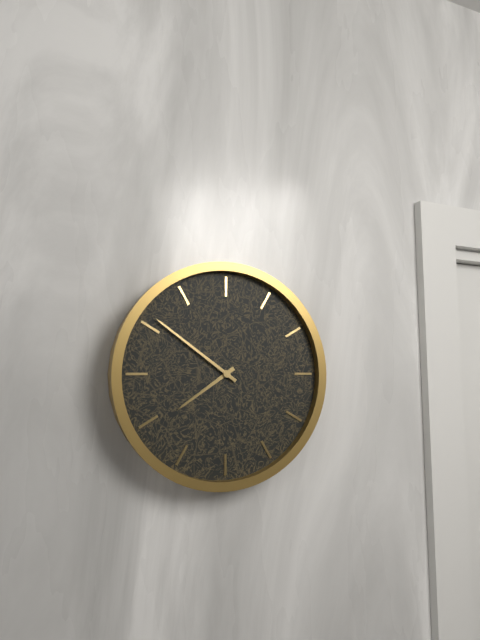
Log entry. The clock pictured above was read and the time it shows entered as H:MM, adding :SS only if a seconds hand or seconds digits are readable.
7:51
